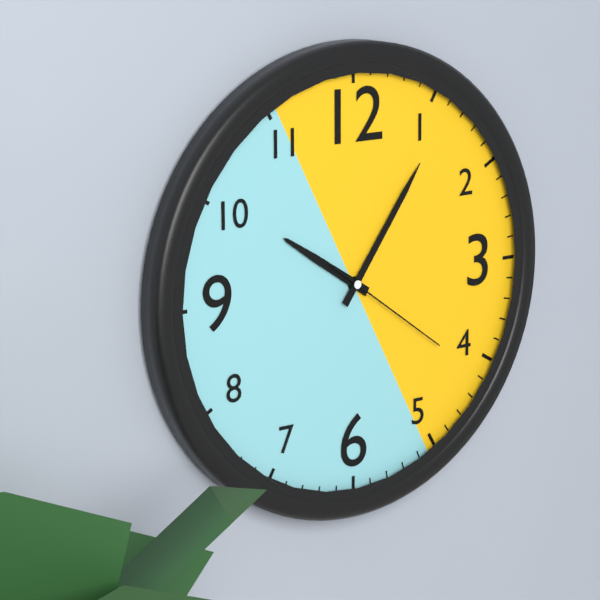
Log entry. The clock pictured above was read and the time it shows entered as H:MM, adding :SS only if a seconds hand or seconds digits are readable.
10:06:21
